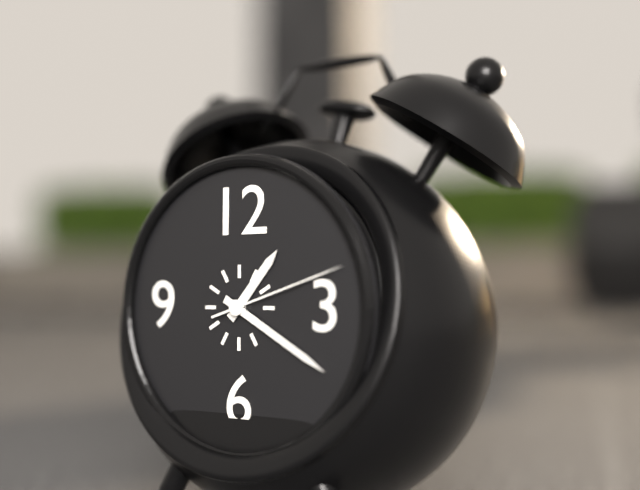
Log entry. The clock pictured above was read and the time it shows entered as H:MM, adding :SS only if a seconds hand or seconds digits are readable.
1:20:12
